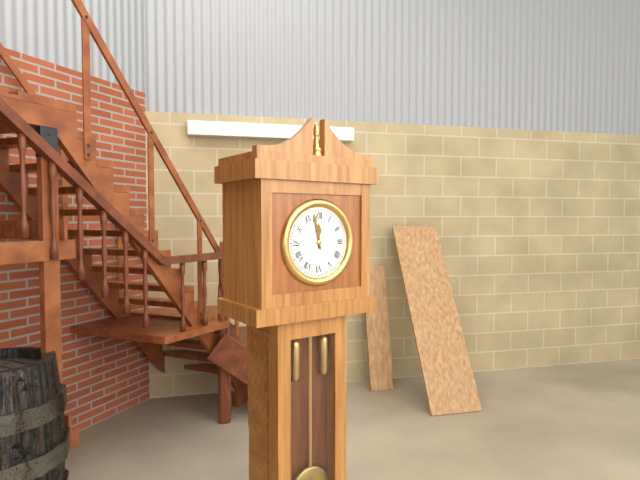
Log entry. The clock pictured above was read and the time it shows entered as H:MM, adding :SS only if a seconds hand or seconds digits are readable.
11:58
